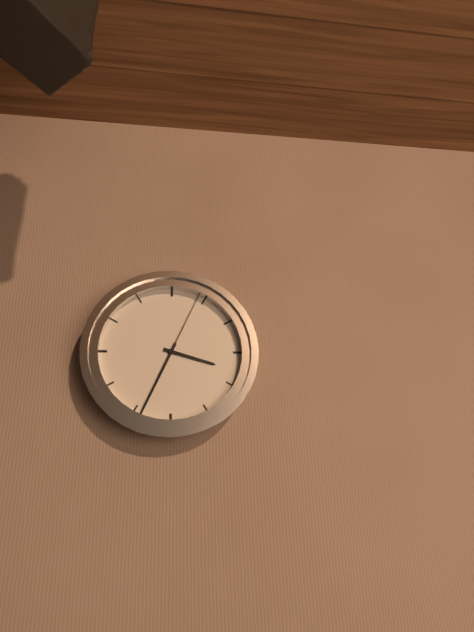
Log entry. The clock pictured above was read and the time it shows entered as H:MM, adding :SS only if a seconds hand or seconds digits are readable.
3:34:04
